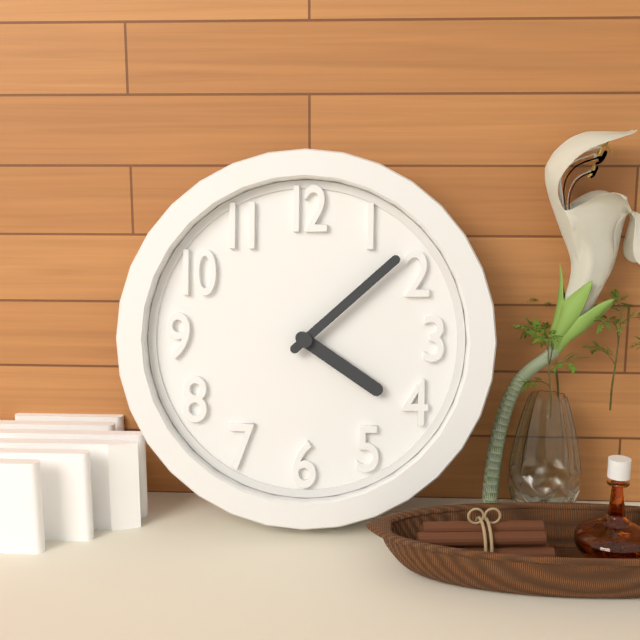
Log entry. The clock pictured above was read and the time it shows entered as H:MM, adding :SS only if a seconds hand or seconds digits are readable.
4:08
